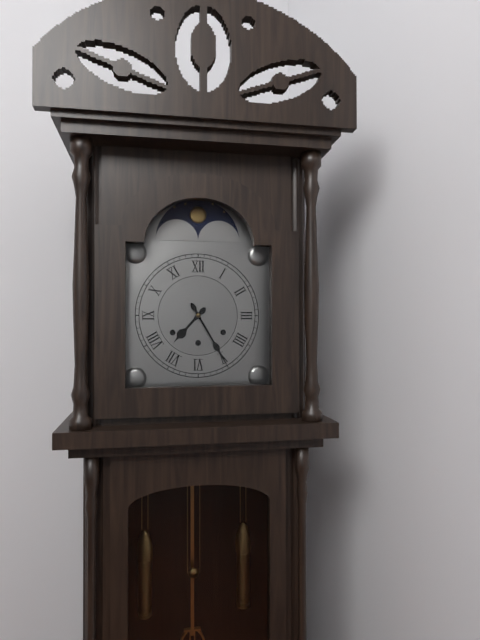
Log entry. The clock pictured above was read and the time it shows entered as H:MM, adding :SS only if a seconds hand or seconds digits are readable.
7:25
